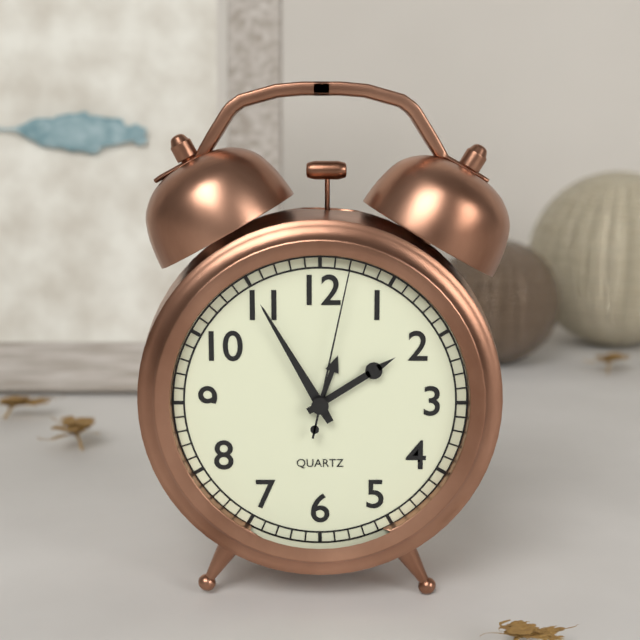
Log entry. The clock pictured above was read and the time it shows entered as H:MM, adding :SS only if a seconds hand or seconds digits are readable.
1:55:02
